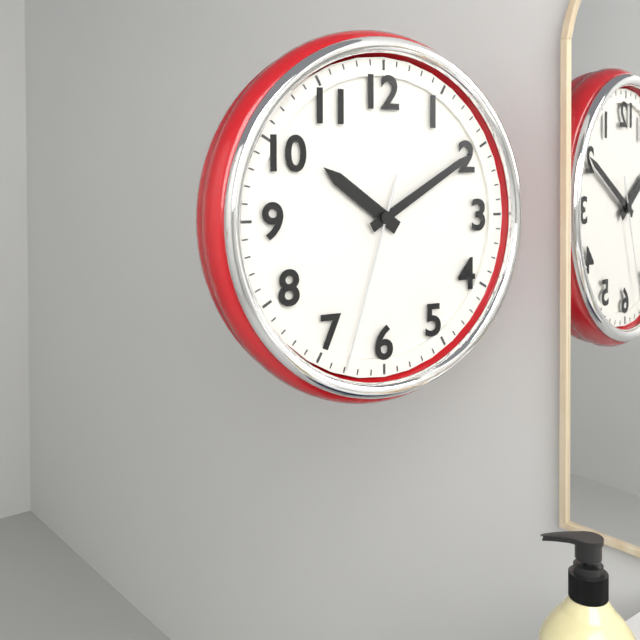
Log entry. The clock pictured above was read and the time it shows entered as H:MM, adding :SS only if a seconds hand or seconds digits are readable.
10:10:33
